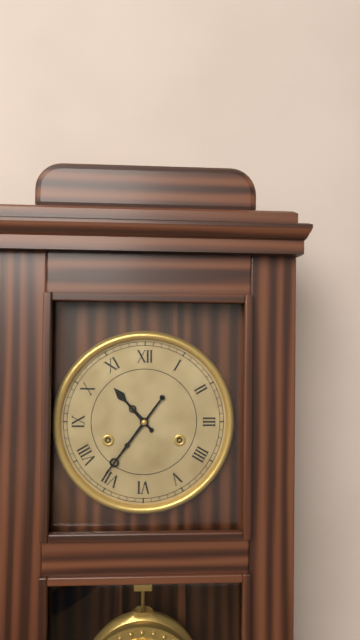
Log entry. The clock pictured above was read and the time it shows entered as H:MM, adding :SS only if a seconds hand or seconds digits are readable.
10:36
